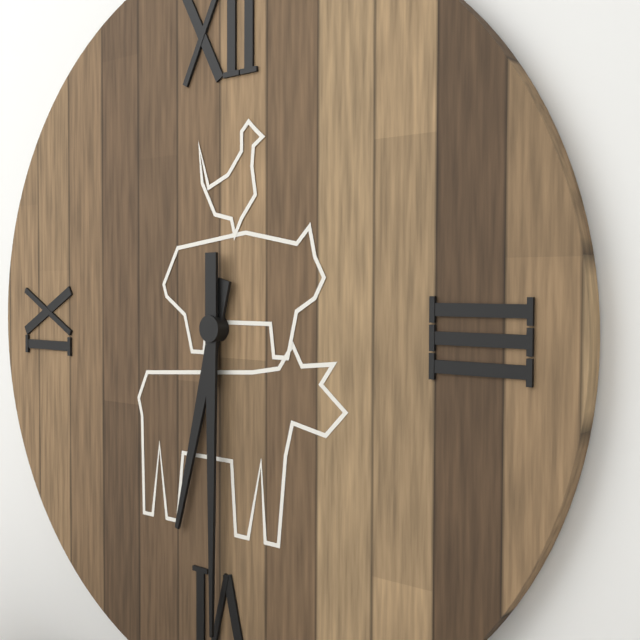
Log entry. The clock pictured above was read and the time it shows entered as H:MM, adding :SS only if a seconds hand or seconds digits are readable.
6:30
